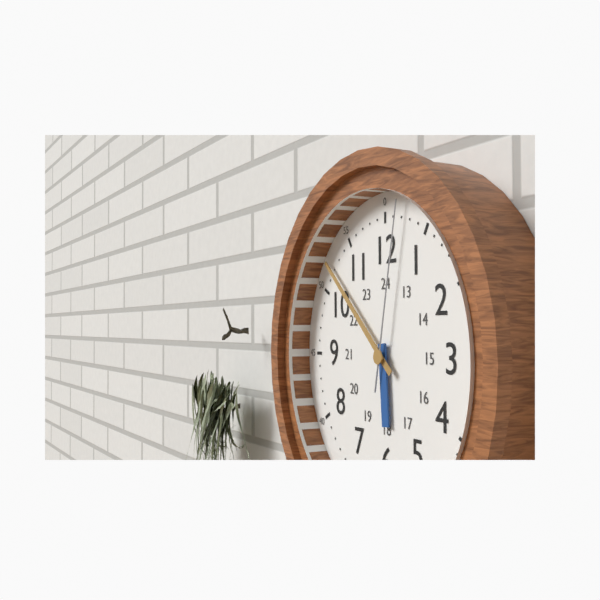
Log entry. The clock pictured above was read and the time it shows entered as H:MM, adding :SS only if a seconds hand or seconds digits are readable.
5:52:02
